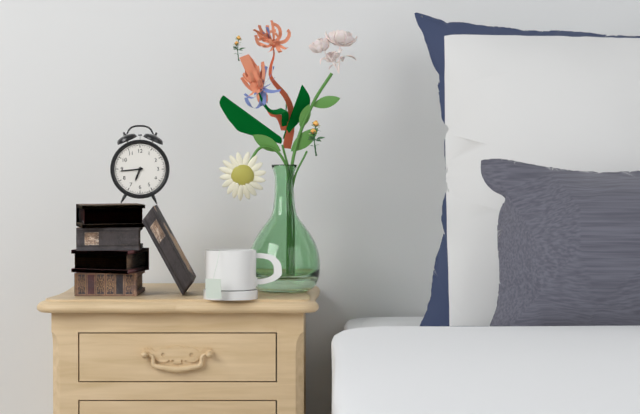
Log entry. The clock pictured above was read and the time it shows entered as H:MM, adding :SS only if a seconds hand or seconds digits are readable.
6:44
